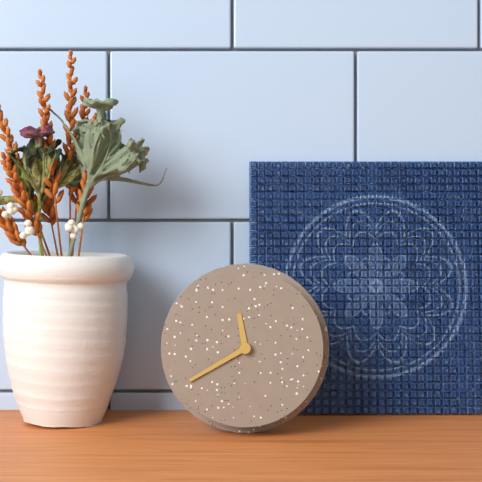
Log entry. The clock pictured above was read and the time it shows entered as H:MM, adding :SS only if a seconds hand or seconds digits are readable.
11:40
